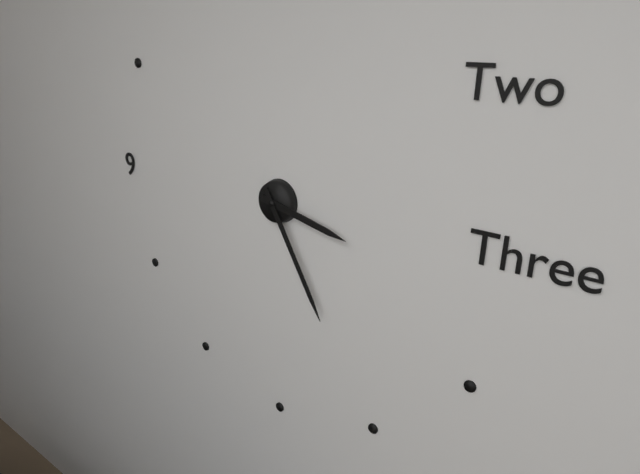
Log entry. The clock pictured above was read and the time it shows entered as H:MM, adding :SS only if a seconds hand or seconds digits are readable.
3:25
